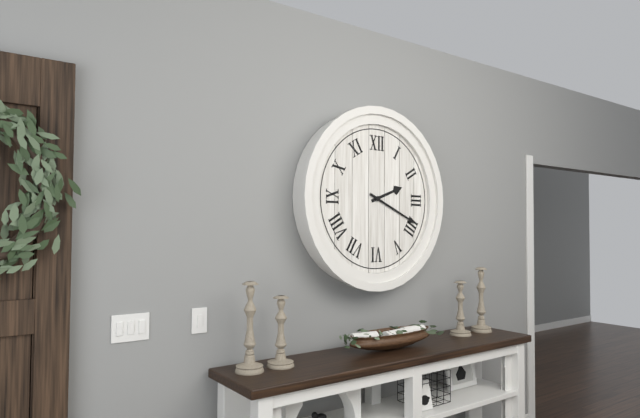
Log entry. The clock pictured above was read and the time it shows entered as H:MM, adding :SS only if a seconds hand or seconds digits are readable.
2:19
